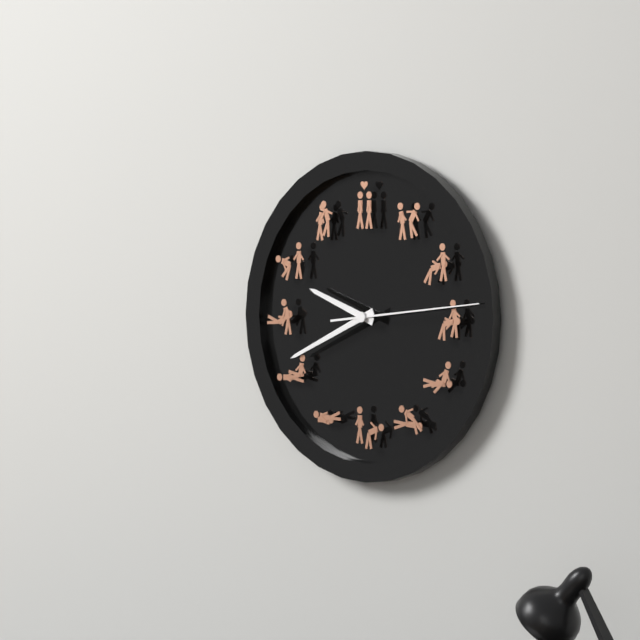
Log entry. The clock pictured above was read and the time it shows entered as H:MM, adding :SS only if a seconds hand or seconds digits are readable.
9:41:14
